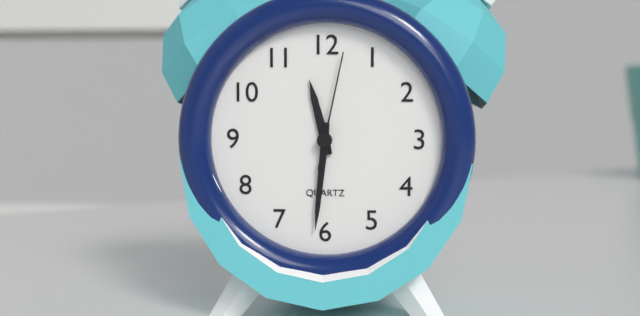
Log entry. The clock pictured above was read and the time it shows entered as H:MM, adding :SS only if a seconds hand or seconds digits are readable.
11:31:02
